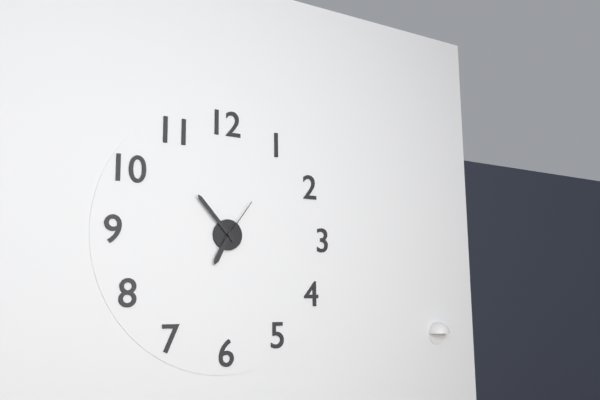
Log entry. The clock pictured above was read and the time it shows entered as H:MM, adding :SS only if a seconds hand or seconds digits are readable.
6:53
